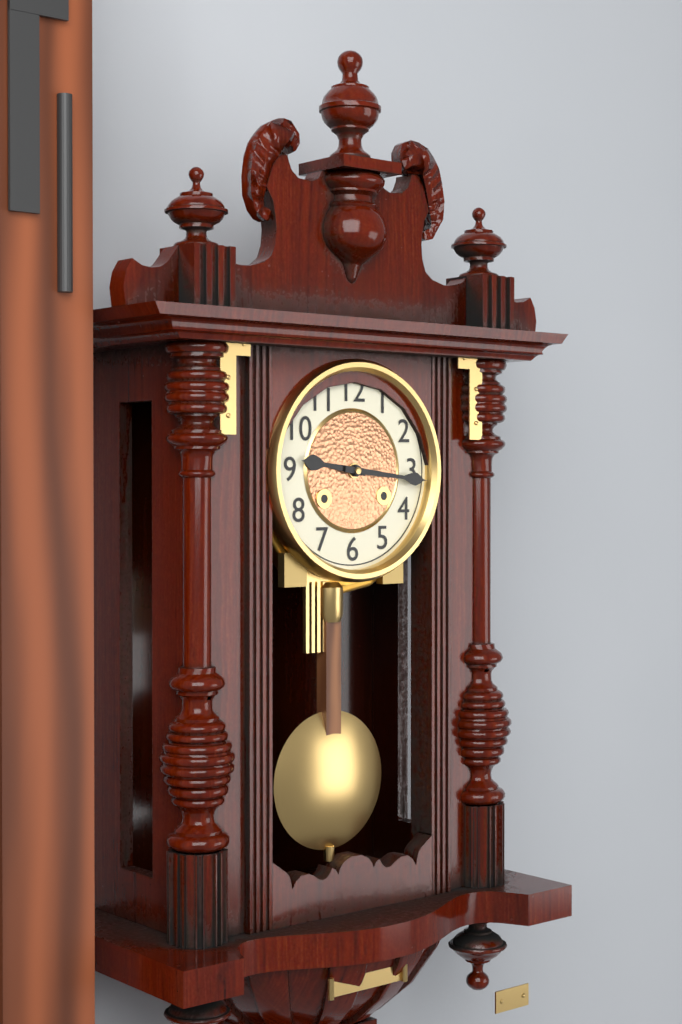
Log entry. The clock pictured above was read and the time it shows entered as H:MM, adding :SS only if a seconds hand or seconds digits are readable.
9:16
